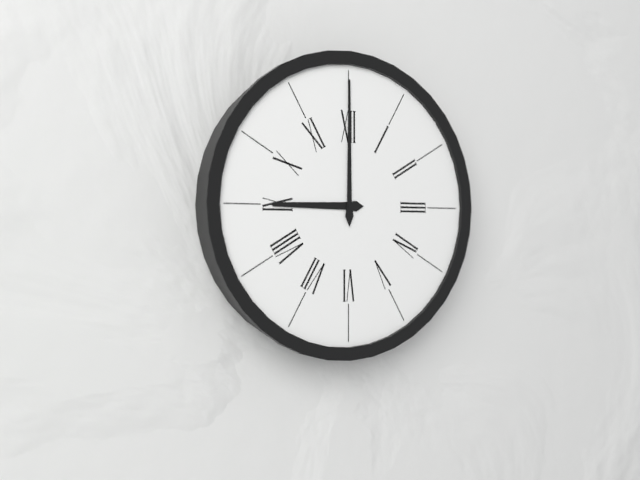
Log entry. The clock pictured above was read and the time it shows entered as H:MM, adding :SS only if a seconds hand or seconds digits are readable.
9:00
